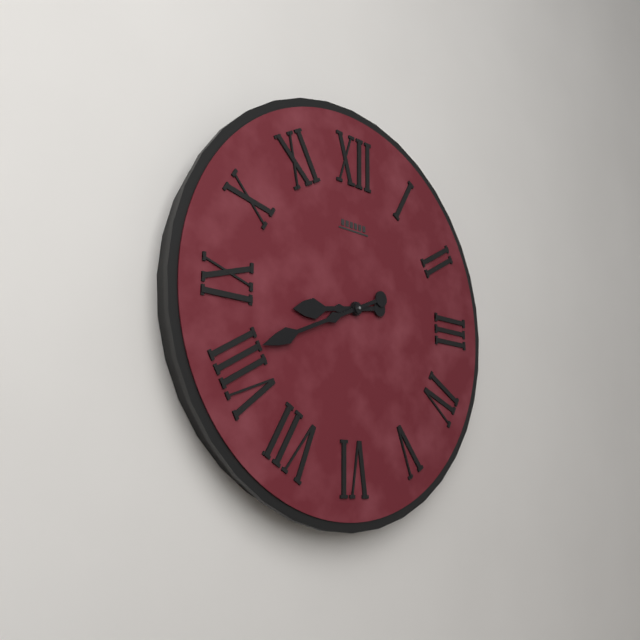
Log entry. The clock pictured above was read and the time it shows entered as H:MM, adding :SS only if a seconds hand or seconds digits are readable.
8:41
